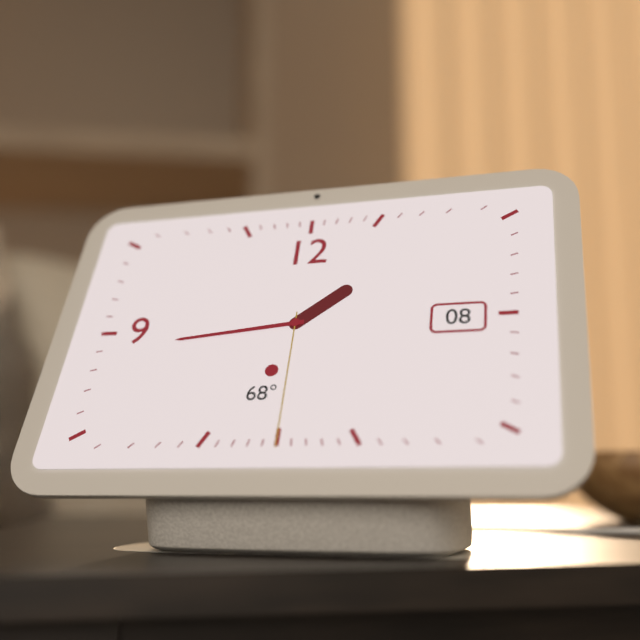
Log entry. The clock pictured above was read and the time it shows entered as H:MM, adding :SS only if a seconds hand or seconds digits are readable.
1:44:30
